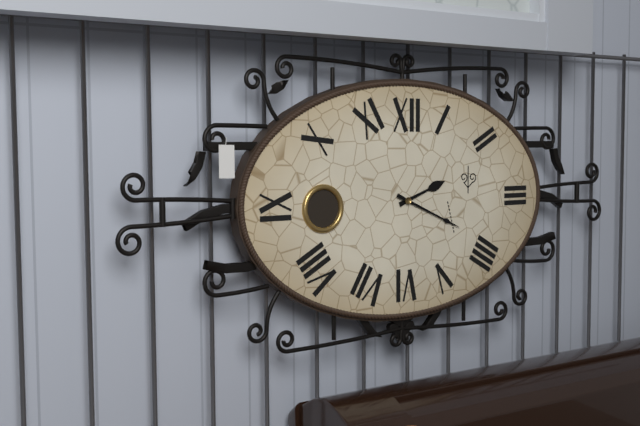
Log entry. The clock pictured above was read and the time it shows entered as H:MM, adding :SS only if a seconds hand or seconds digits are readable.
2:19
